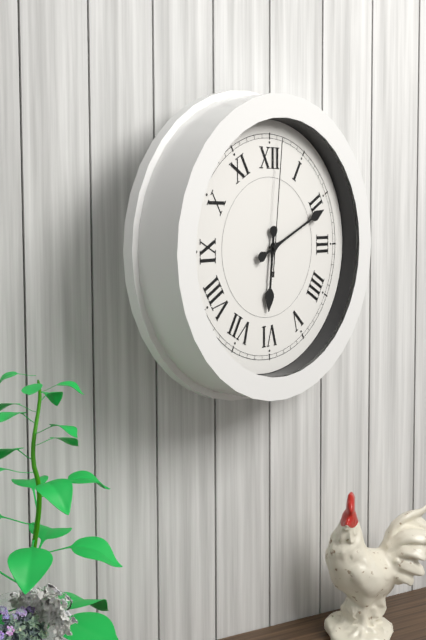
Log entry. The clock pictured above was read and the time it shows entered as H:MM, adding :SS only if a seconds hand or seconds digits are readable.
6:11:01
